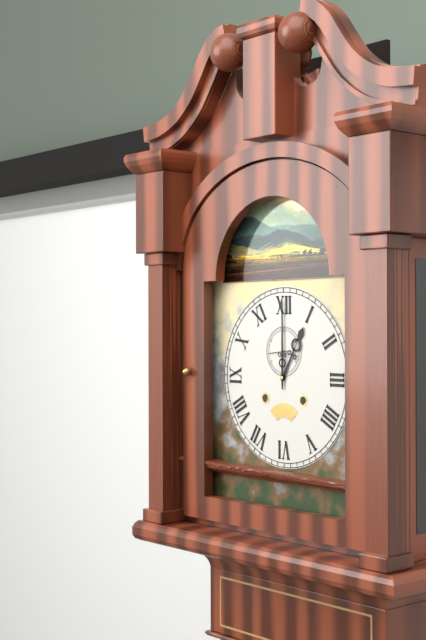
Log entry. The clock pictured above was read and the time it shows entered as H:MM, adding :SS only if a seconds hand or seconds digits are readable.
1:00
